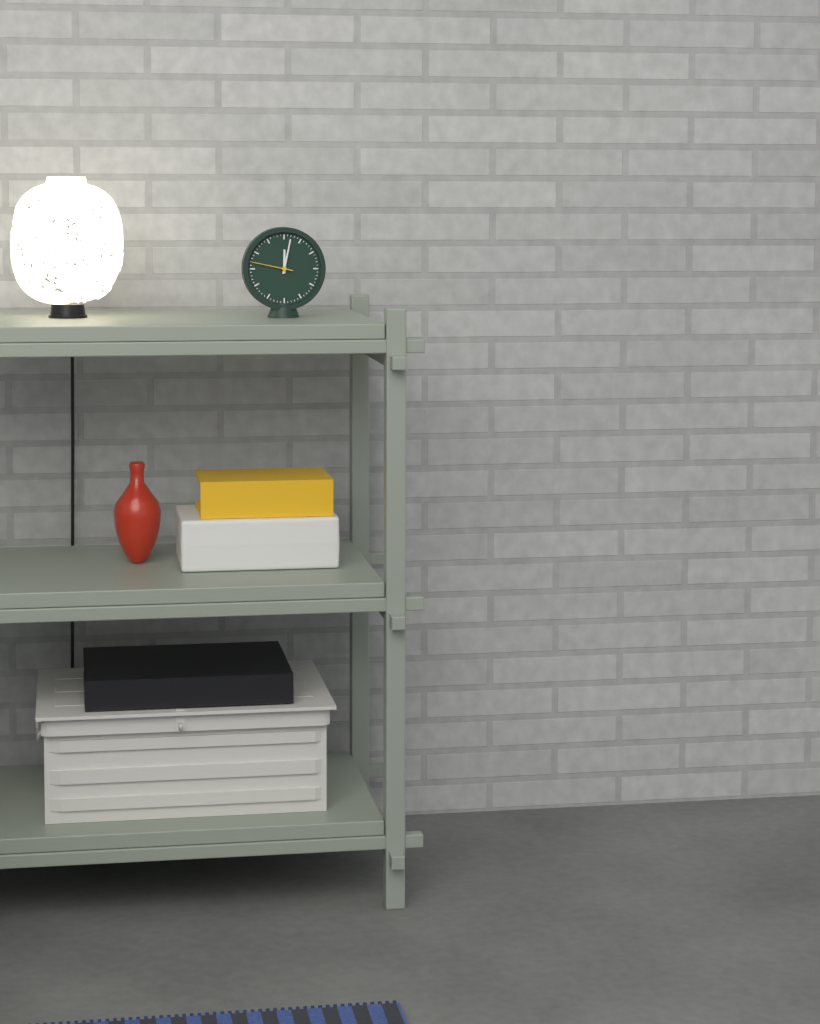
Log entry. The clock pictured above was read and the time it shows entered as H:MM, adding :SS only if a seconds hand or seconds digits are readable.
12:02
